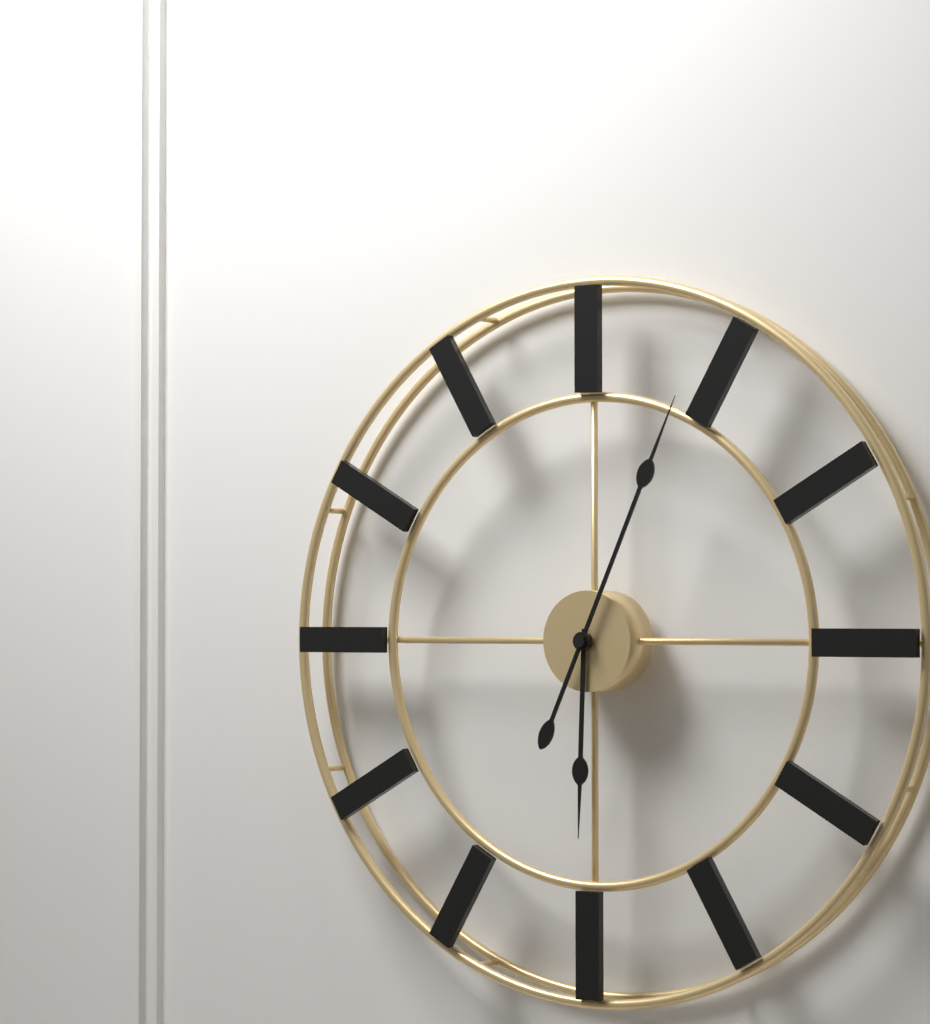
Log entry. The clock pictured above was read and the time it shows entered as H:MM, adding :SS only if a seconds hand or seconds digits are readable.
6:04
